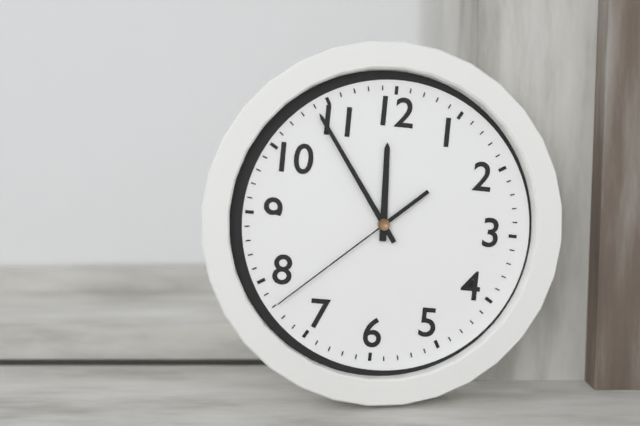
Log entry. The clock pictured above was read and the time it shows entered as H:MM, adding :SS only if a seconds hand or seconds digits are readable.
11:54:38
